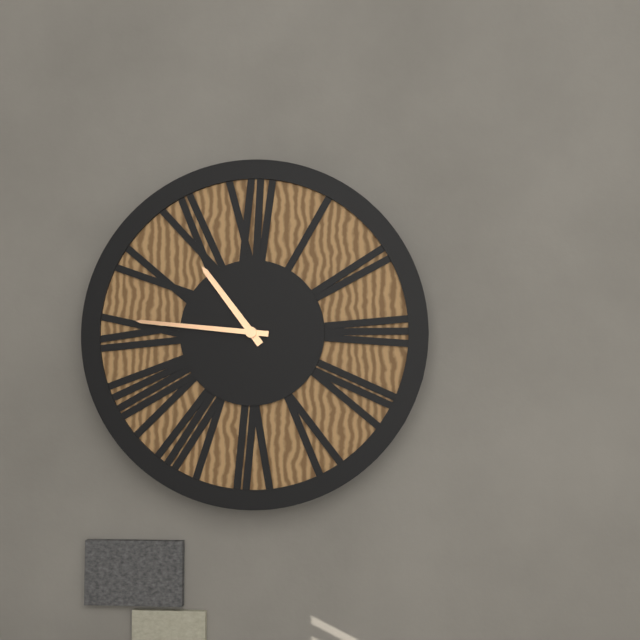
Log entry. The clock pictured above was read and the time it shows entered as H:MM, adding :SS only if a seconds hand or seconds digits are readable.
10:46
